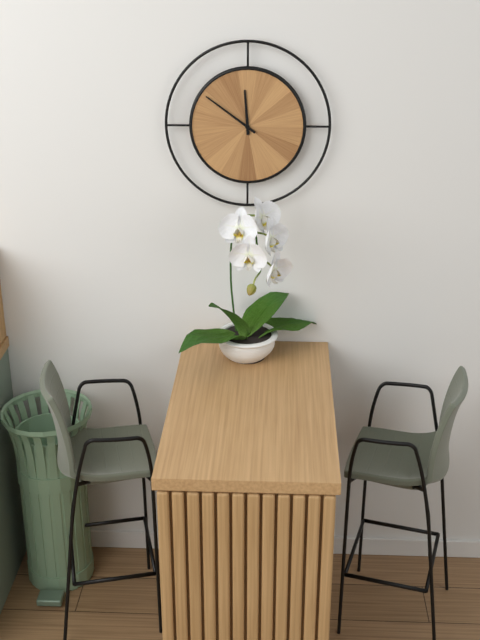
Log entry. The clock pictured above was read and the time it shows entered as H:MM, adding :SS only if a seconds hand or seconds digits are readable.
11:51
